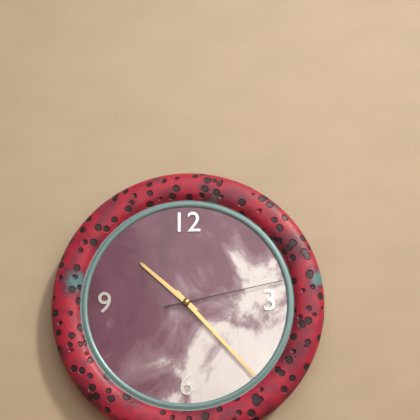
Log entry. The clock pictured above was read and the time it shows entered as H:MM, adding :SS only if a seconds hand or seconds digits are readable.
10:23:13
